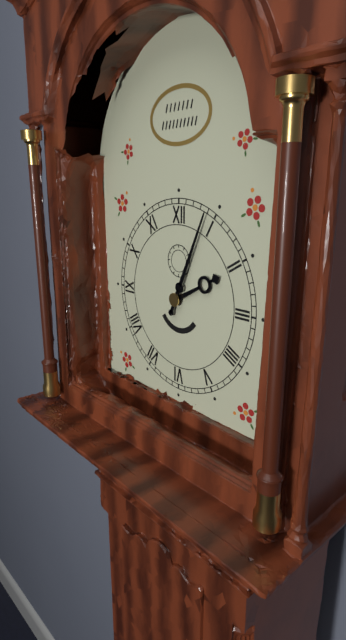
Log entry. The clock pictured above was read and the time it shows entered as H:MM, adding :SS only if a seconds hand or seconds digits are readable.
2:04
